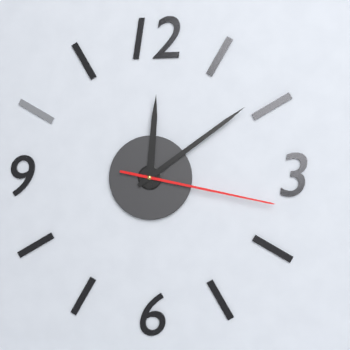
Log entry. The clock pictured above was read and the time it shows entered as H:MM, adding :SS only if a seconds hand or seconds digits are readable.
12:09:17
